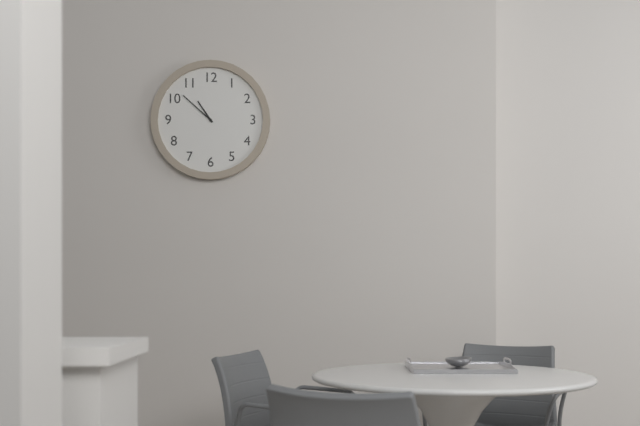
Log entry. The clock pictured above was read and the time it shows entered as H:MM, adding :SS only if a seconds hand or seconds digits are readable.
10:52
